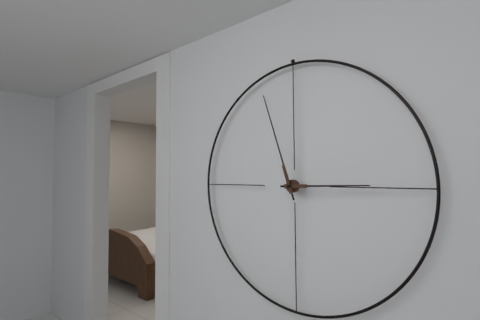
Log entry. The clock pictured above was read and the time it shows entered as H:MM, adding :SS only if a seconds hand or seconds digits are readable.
2:57
